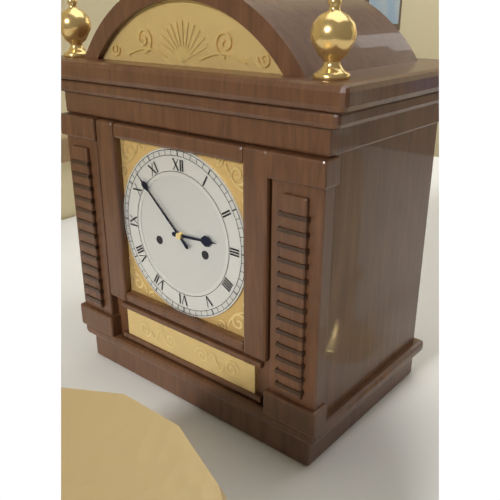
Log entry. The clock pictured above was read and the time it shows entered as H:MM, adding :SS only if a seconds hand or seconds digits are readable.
2:52
